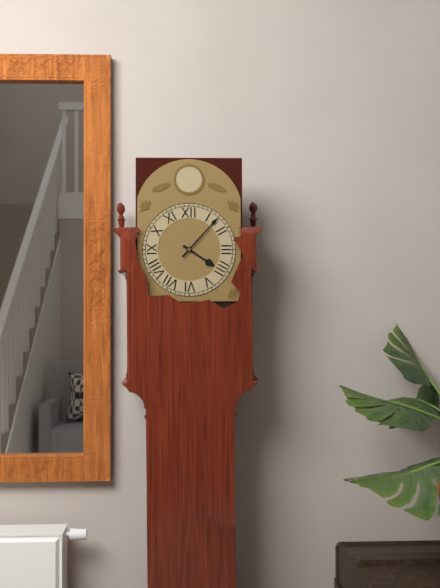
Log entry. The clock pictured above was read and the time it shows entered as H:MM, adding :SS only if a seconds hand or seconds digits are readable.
4:07
